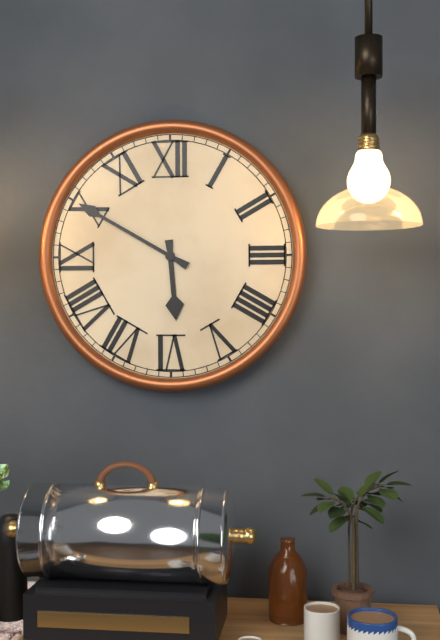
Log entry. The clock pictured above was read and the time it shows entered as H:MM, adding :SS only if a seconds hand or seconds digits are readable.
5:50
